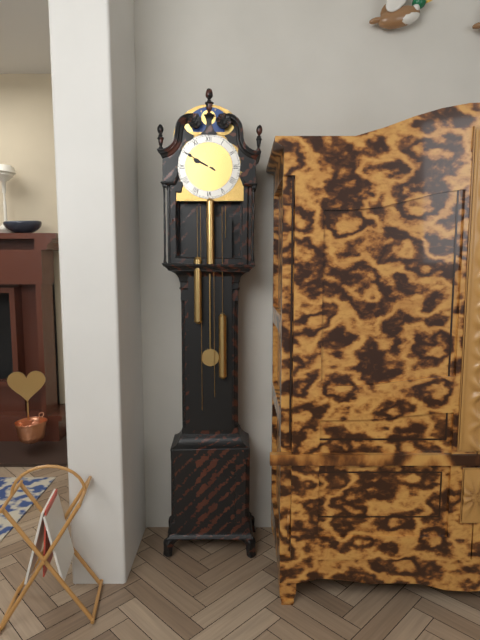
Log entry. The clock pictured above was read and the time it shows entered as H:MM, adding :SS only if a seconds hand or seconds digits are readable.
9:50
